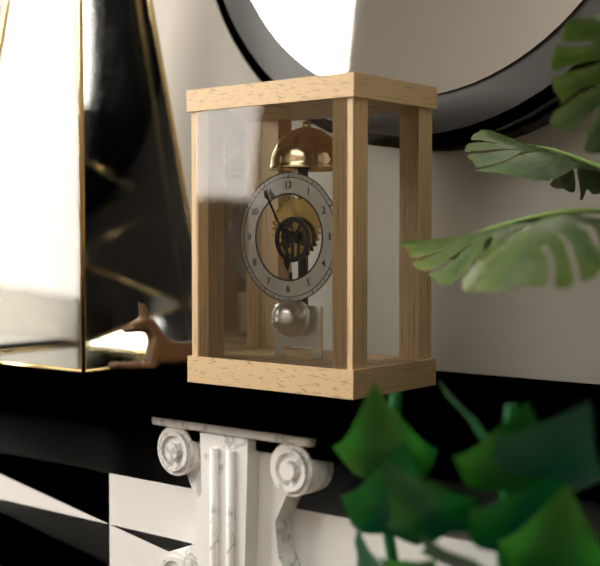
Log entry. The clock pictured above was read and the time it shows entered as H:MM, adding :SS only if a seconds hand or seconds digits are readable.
5:55
